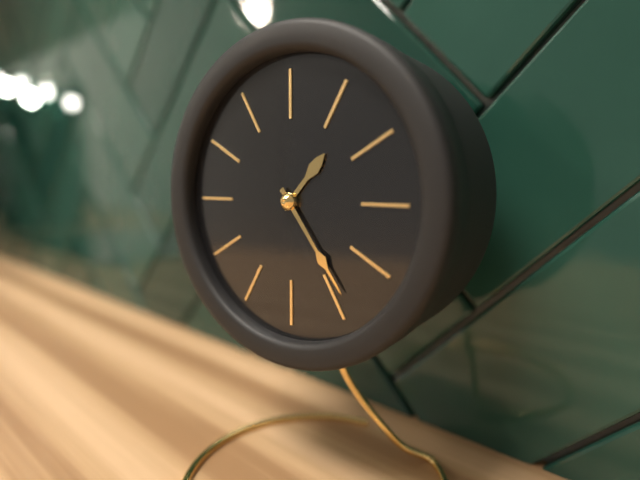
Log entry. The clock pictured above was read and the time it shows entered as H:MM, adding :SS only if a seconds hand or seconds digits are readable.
1:24
